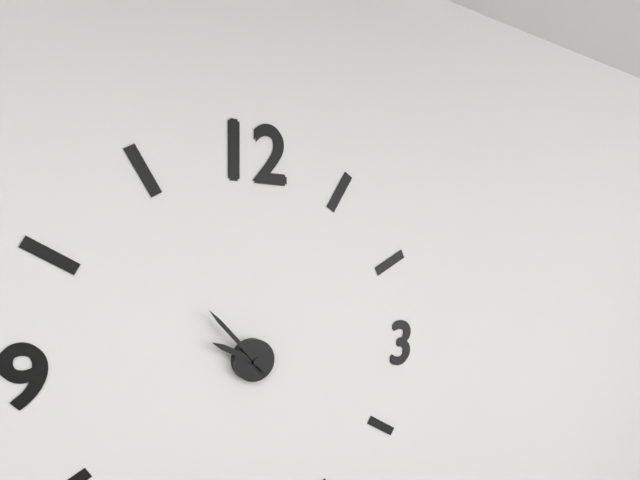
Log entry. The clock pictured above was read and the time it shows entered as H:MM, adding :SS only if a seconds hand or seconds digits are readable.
9:53
